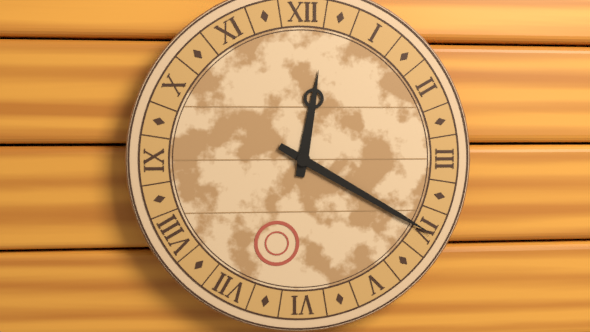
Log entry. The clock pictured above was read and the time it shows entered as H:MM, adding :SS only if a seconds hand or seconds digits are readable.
12:20
